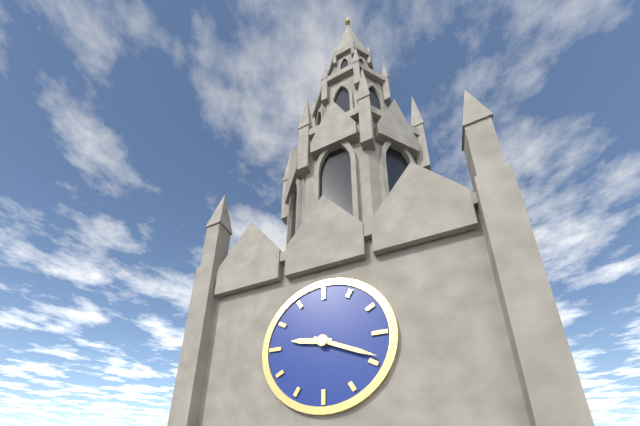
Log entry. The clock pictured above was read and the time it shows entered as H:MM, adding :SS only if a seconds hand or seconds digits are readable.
9:19
